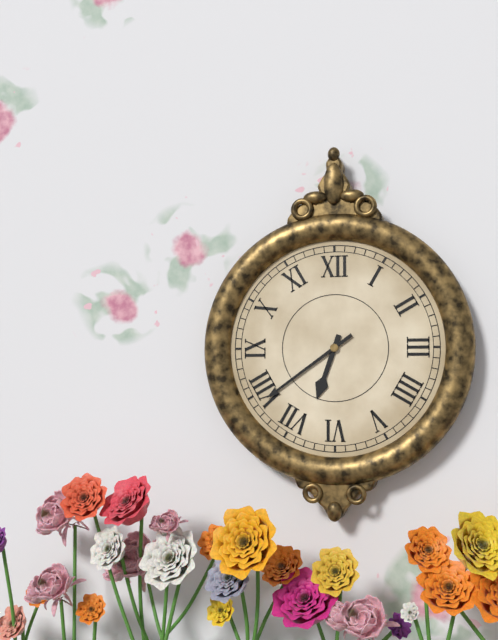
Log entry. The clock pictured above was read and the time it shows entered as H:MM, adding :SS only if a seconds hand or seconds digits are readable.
6:39
